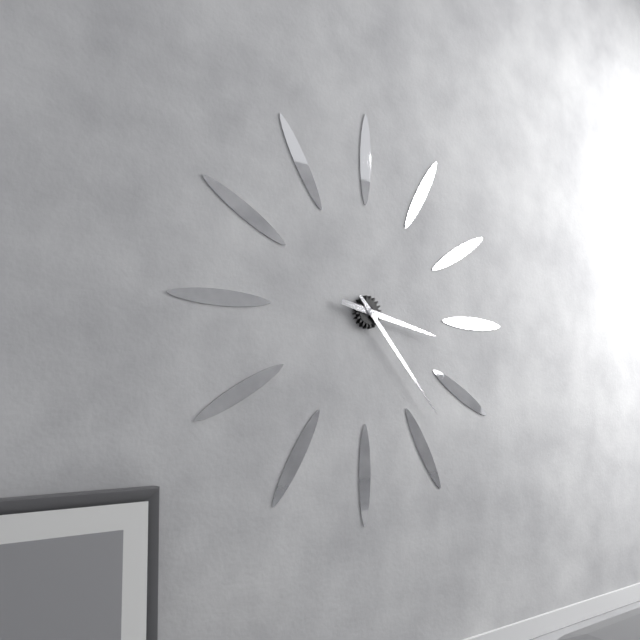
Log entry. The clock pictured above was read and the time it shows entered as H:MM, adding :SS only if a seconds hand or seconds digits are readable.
3:23
